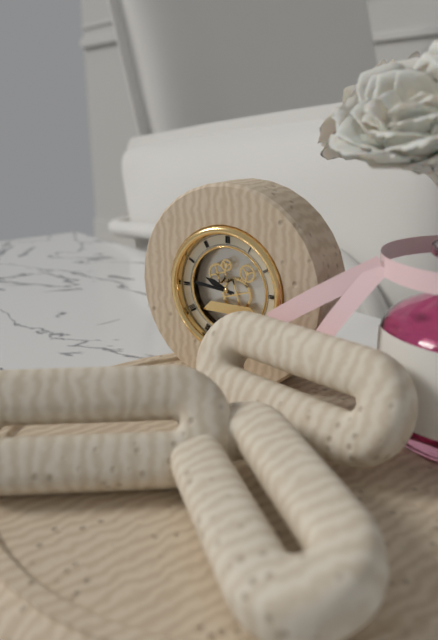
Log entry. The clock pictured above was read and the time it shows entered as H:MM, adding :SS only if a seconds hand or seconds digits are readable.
9:46
